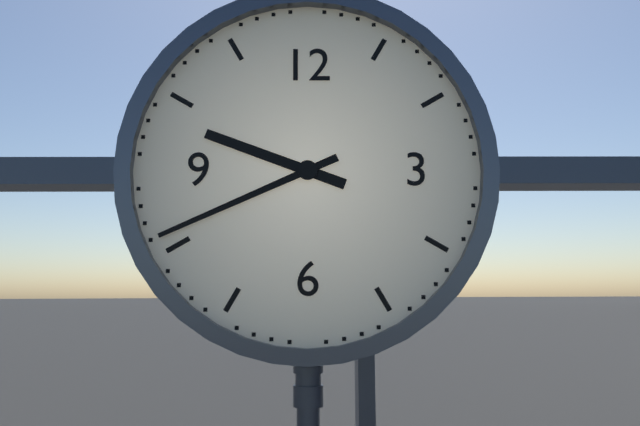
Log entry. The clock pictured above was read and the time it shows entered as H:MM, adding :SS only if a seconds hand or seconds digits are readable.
9:41
